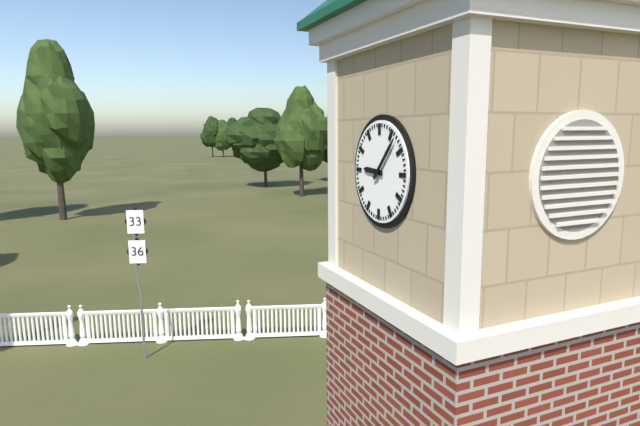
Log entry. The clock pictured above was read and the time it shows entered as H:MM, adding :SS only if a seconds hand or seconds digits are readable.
9:07
